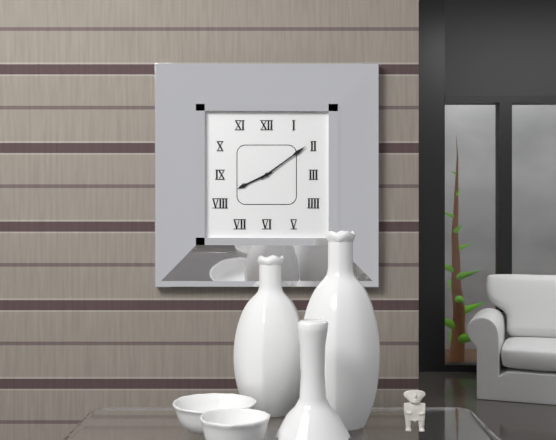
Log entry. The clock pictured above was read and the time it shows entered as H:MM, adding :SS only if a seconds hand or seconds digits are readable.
8:09
